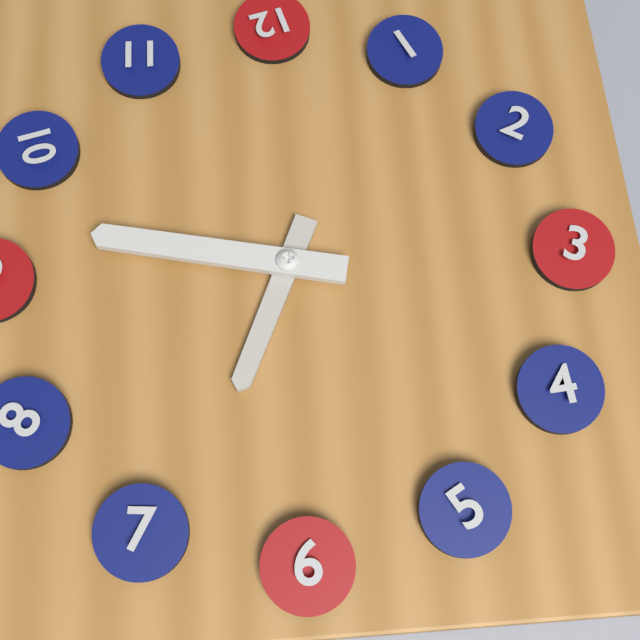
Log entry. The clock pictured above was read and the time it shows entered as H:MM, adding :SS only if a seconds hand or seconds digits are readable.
6:47
